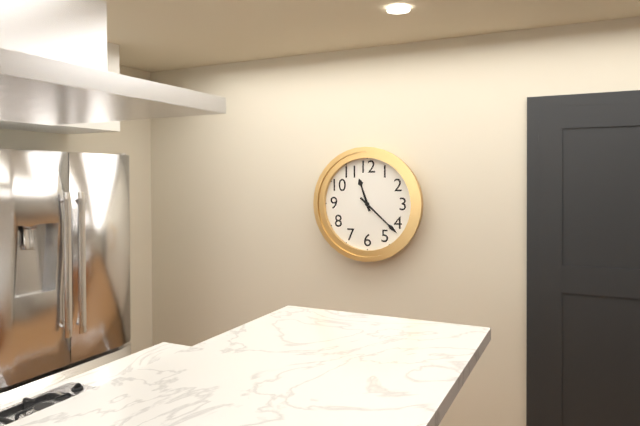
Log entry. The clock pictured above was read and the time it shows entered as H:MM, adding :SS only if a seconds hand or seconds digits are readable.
11:22
